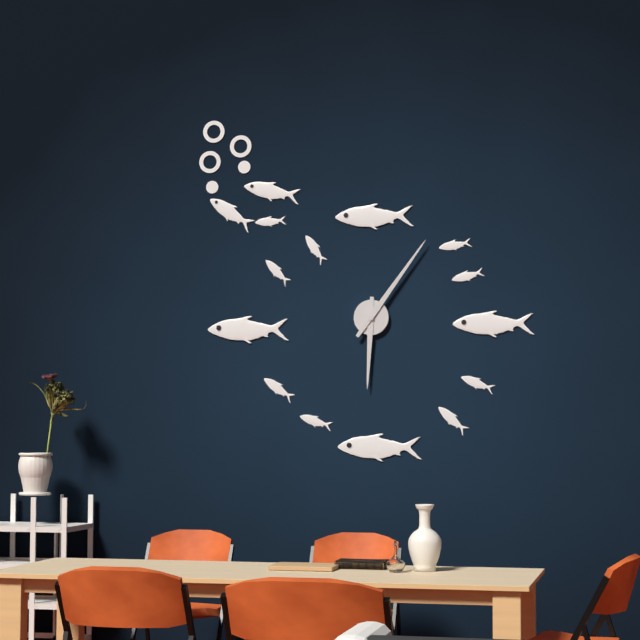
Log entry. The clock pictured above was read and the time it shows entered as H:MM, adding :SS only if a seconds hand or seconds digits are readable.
6:06
